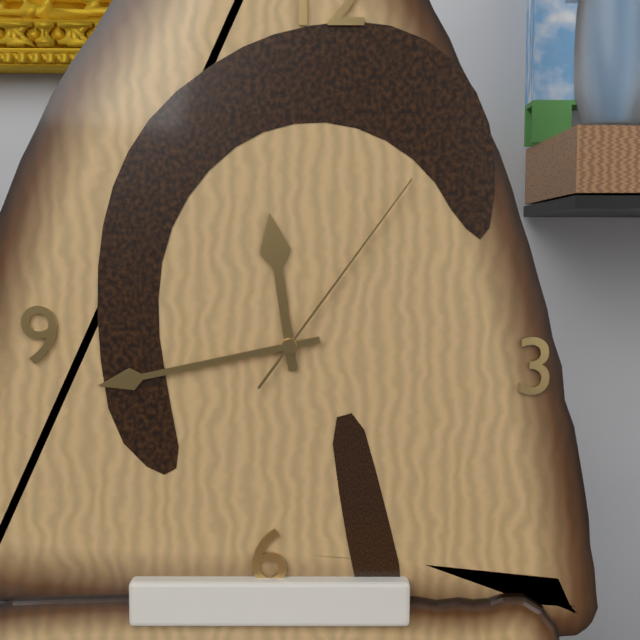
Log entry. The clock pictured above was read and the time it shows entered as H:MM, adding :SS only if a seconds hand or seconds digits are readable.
11:43:06
